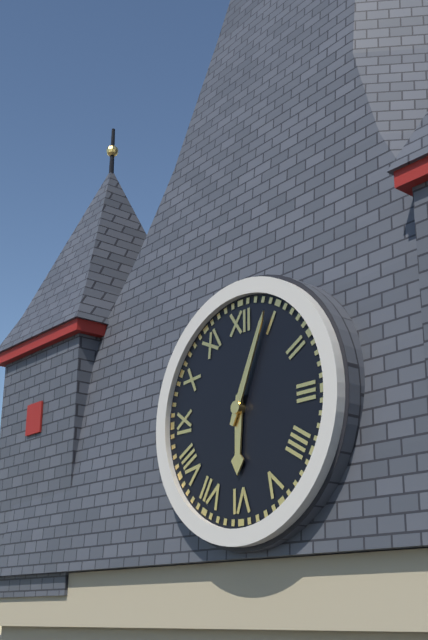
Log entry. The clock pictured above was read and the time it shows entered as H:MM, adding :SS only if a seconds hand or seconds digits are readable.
6:04
